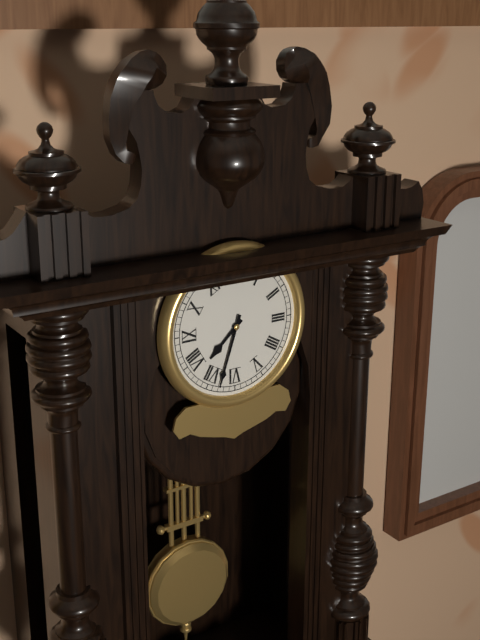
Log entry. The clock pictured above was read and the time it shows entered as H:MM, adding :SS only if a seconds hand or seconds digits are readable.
7:33
